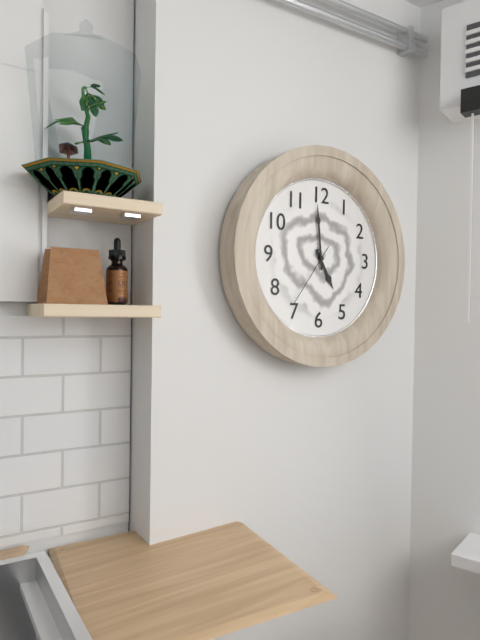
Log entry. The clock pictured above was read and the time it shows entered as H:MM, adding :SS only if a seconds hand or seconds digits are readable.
4:59:36
